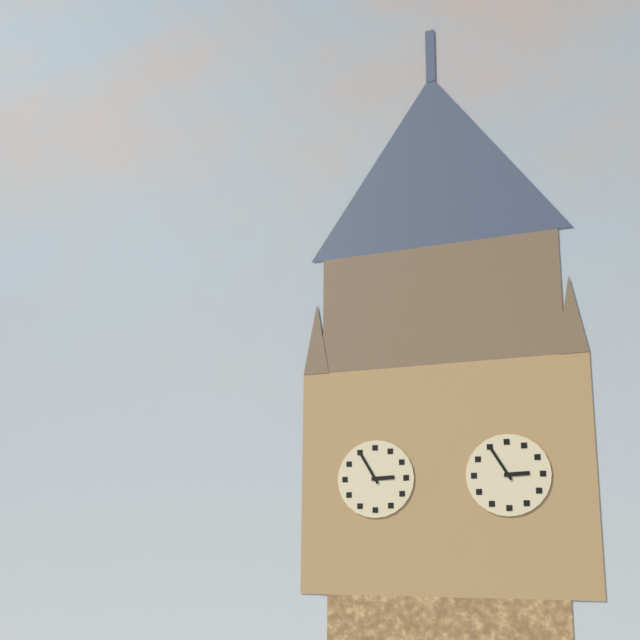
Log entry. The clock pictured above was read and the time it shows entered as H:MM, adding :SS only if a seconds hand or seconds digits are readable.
2:55
